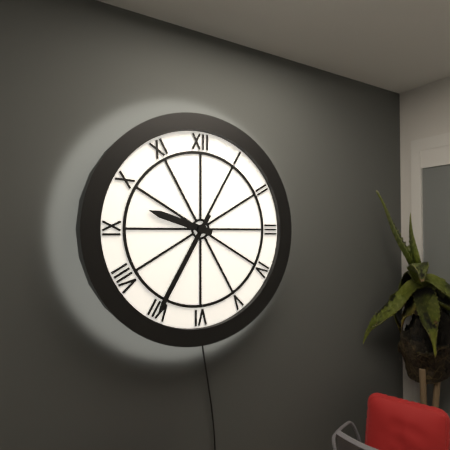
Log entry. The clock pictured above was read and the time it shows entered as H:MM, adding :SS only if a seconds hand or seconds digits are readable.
9:35
